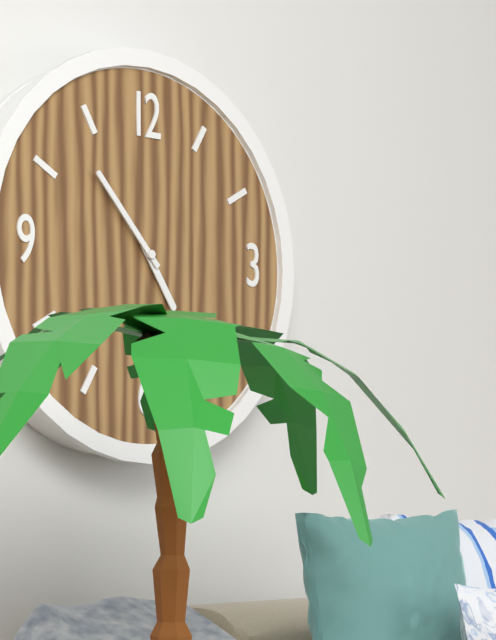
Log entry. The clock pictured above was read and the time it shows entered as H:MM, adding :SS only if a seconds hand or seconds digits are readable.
4:53
